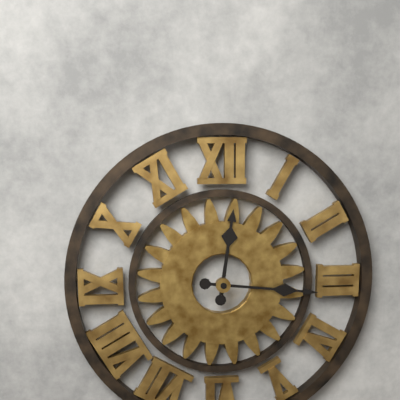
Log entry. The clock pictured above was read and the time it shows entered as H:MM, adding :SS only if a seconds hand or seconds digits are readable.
12:16
